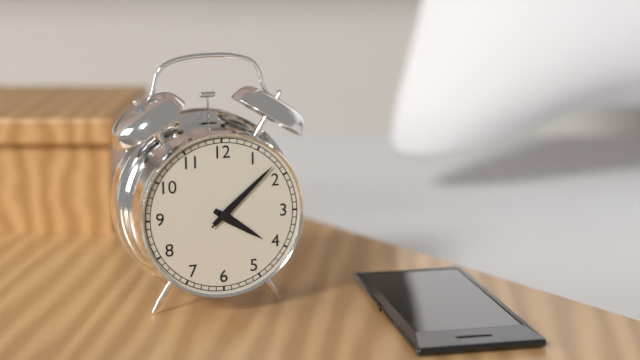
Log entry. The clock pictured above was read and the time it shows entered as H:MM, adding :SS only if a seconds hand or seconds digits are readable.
4:08:08
